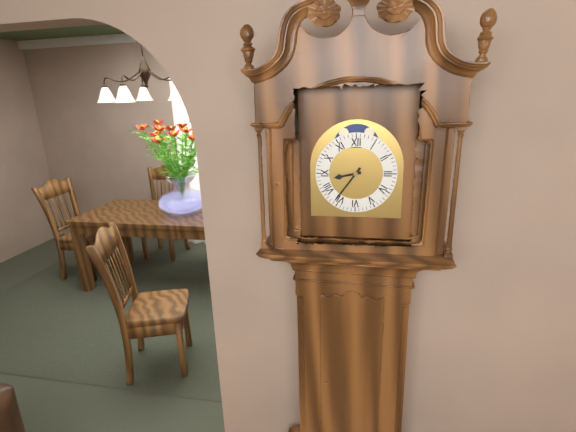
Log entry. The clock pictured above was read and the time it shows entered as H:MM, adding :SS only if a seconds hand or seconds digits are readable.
8:36
